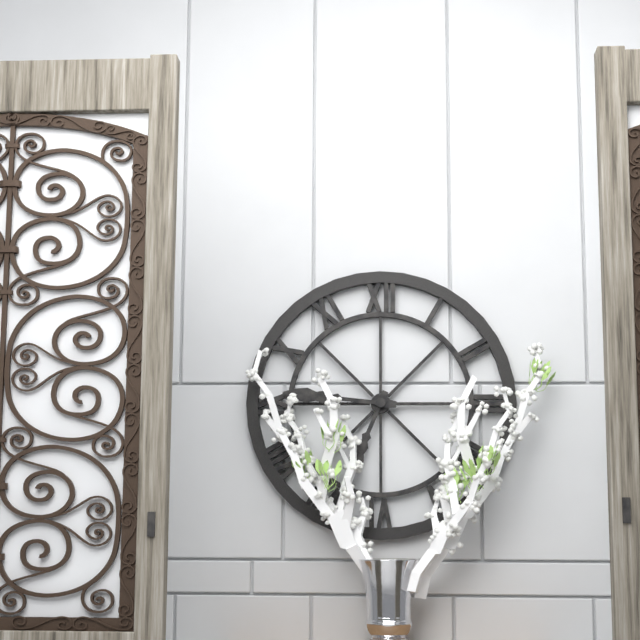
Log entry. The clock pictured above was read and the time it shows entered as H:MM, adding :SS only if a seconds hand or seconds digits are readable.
6:46
